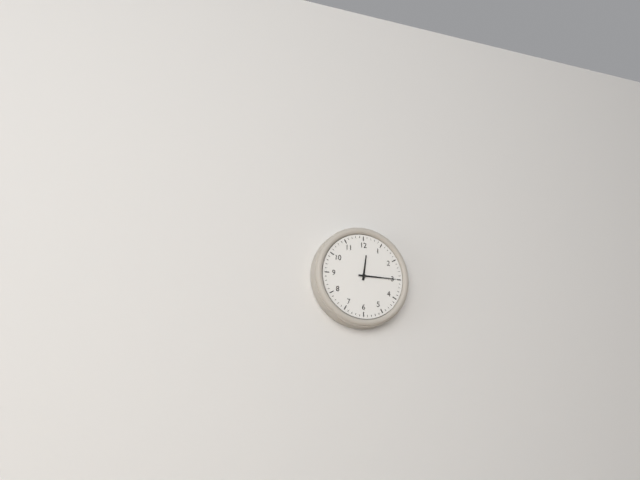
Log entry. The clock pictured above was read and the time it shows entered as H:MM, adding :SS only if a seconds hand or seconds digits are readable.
12:15
